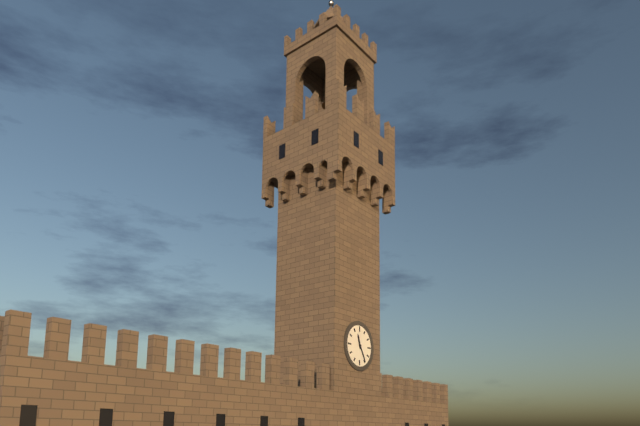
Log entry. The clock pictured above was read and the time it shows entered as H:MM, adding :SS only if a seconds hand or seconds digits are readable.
11:25
